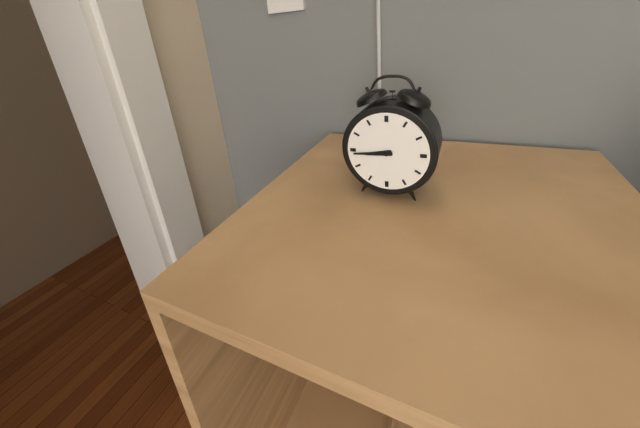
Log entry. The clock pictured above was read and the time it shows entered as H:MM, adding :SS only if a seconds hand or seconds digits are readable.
8:44
